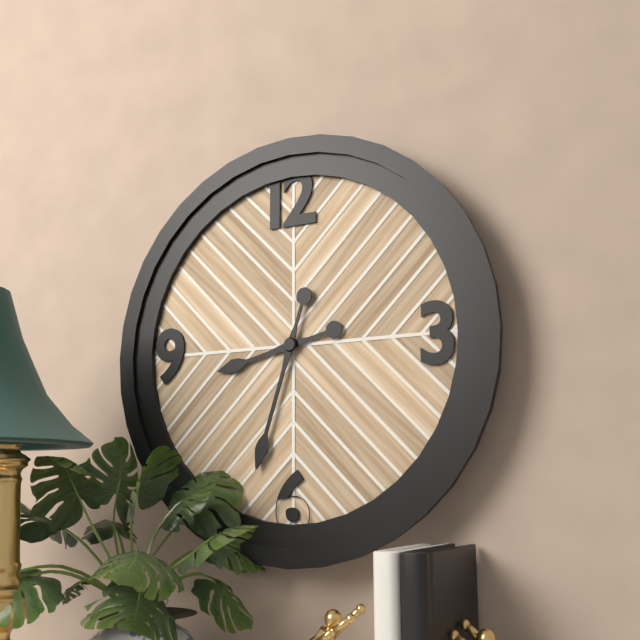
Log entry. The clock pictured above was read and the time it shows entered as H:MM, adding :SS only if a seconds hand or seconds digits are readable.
8:33
